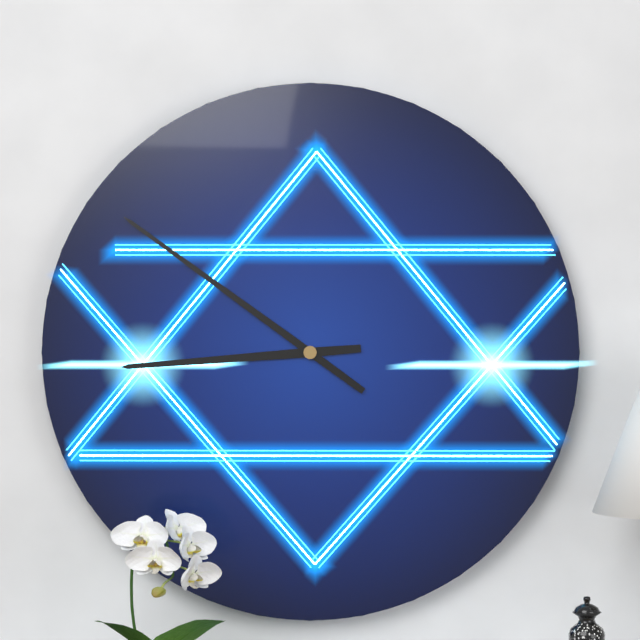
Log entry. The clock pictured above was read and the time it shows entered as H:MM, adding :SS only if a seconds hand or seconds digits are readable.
8:51
